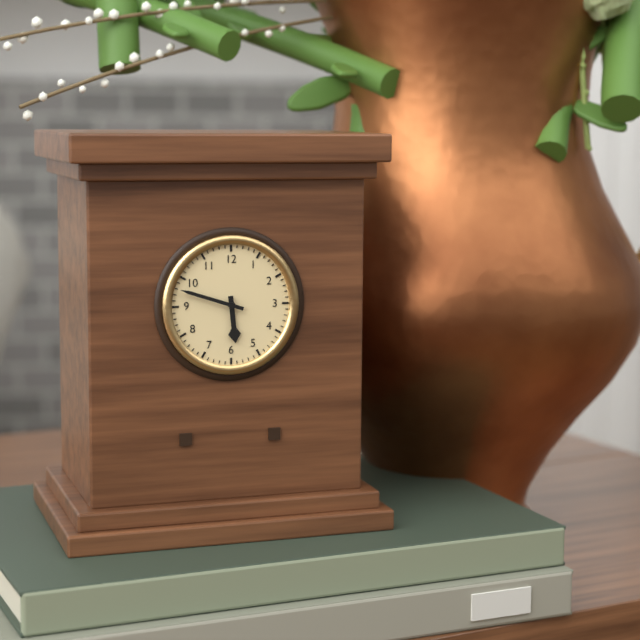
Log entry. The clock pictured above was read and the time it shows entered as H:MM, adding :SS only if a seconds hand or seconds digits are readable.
5:48
